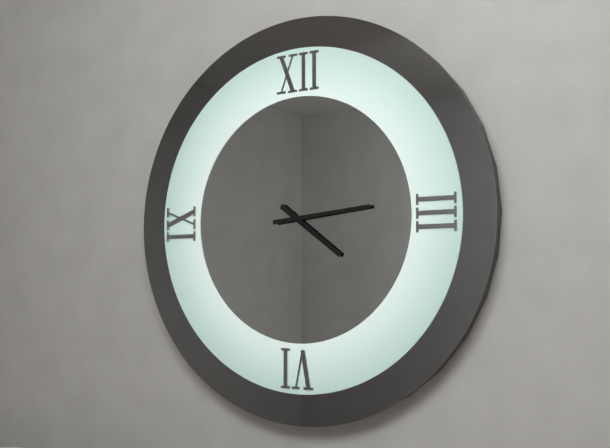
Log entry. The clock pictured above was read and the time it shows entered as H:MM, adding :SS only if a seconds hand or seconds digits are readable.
4:14
